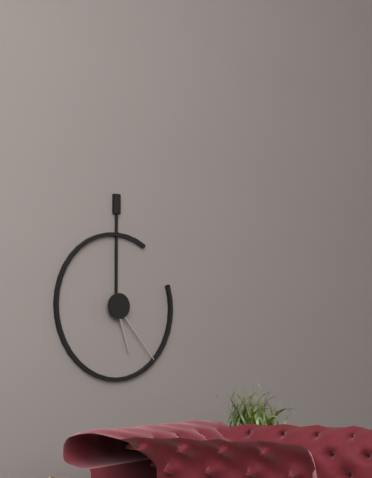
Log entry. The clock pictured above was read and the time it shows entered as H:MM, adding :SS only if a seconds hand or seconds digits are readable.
5:23
